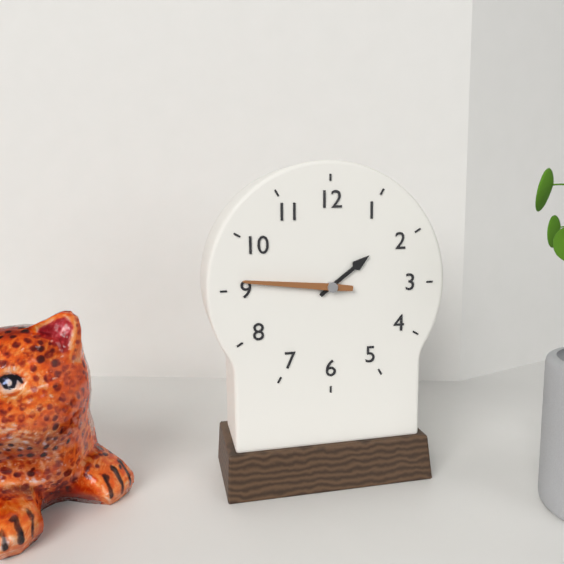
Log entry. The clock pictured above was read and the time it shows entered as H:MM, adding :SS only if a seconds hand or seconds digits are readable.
1:46
